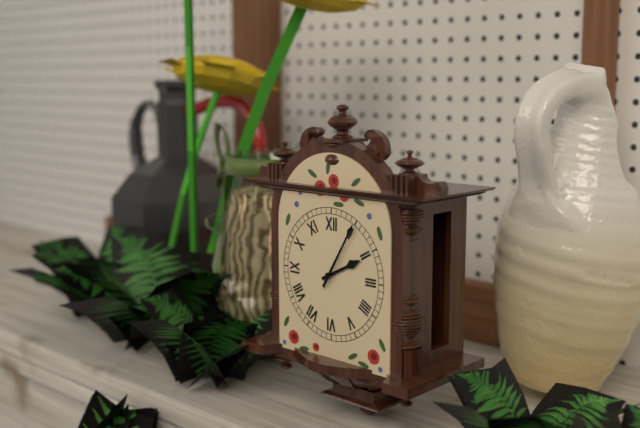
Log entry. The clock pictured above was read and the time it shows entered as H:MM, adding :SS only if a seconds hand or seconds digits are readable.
2:05
